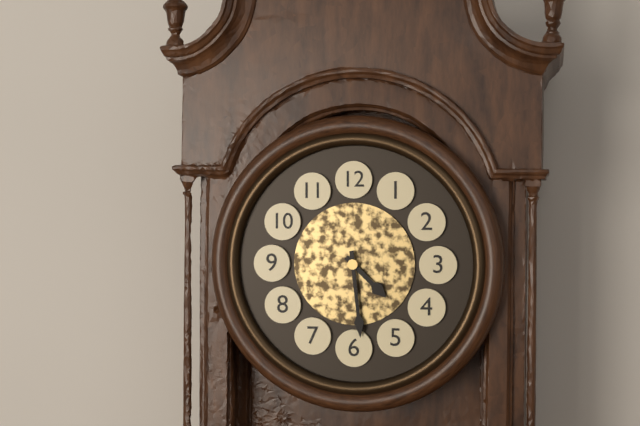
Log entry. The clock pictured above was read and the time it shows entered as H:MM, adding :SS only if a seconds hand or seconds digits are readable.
4:29
